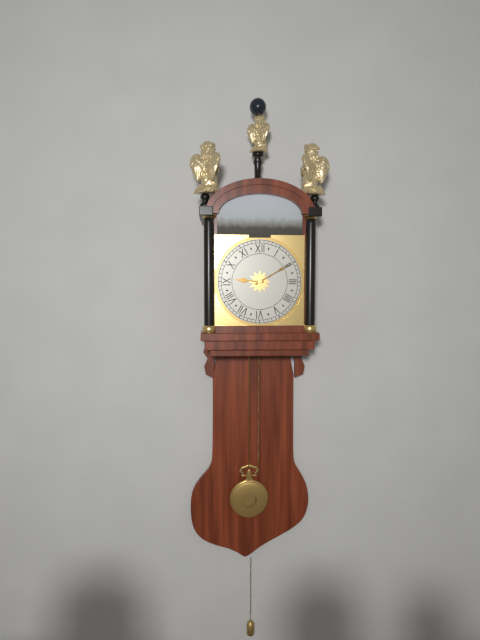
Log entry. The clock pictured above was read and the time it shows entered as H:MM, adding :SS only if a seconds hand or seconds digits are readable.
9:10
